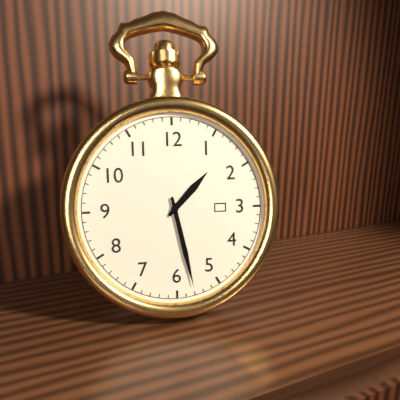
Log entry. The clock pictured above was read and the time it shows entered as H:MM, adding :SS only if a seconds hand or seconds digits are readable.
1:28
